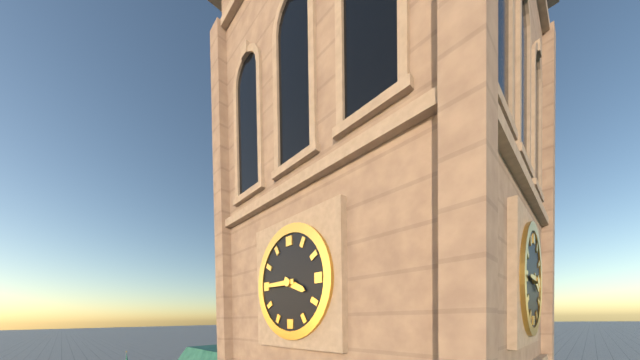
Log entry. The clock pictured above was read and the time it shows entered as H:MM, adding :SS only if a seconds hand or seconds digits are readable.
3:45
